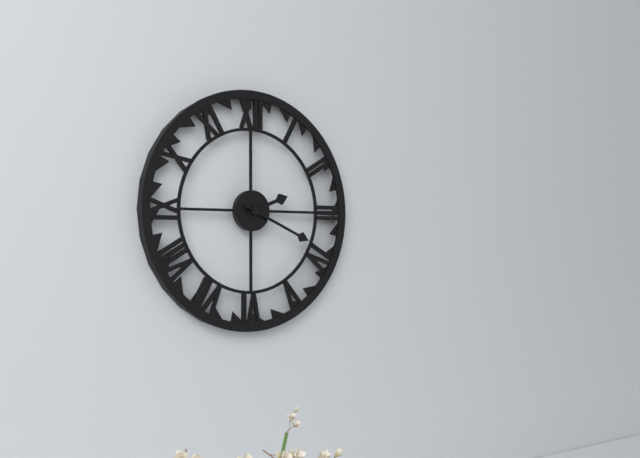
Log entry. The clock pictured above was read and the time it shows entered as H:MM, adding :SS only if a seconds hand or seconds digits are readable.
2:19
